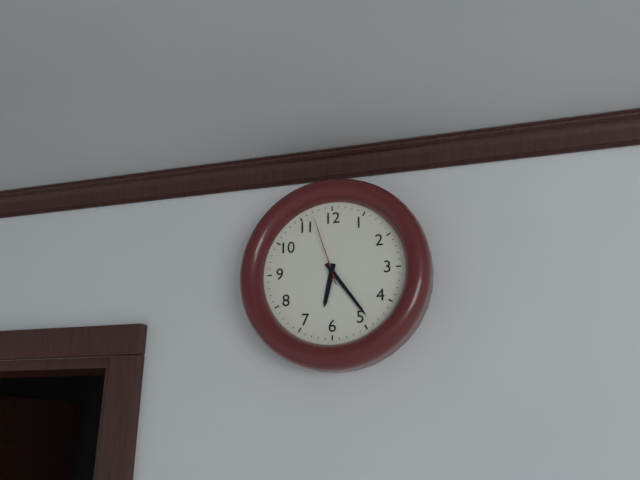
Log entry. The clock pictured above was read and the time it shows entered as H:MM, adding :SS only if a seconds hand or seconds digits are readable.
6:24:57
